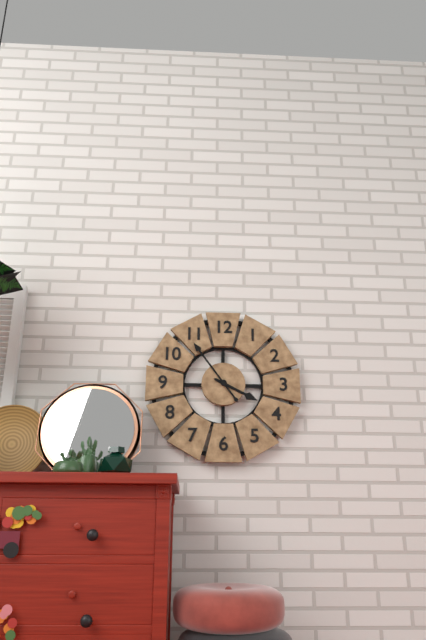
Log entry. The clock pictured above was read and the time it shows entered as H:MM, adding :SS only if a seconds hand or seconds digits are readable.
3:54
